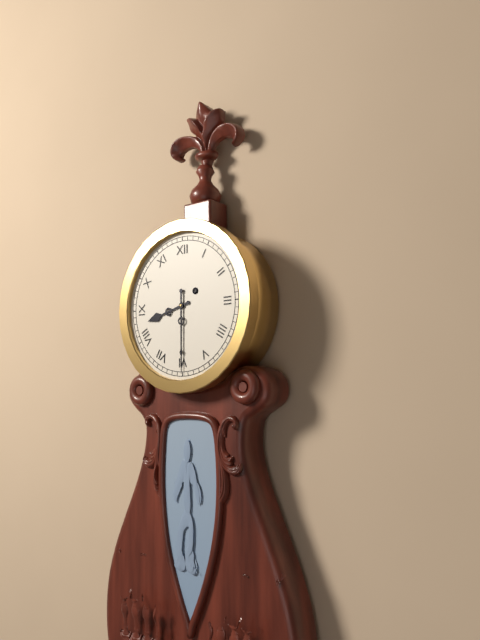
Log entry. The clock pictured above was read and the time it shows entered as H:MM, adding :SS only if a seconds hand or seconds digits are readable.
8:30
